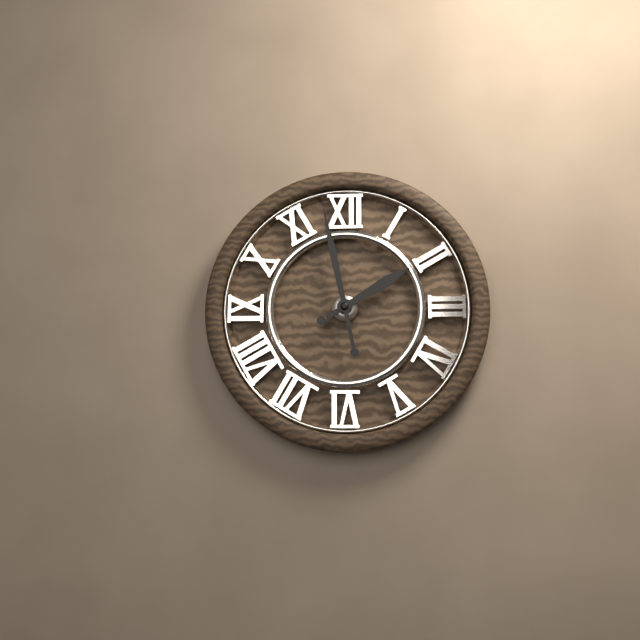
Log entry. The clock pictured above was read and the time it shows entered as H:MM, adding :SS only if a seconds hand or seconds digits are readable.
1:58
